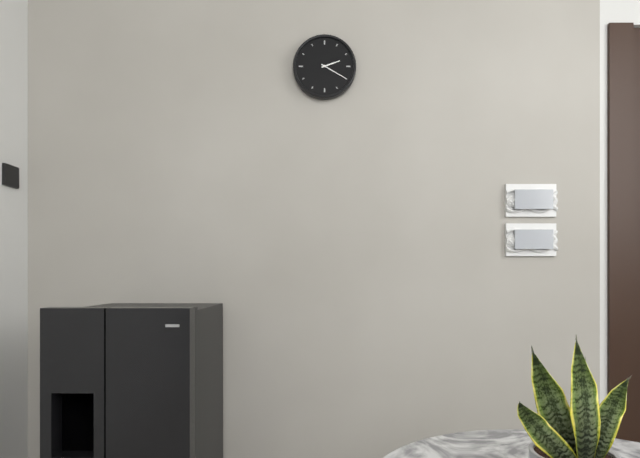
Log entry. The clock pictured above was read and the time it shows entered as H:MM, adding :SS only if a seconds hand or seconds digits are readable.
2:20
